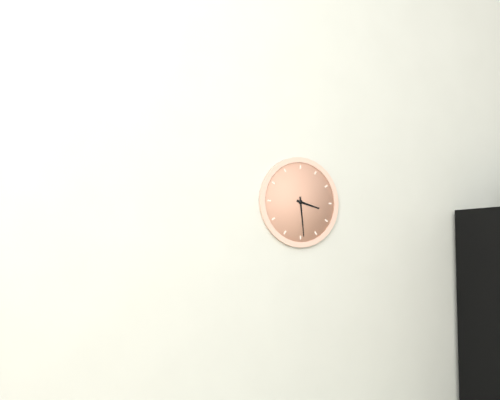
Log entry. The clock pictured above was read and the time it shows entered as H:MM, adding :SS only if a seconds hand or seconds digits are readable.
3:29
